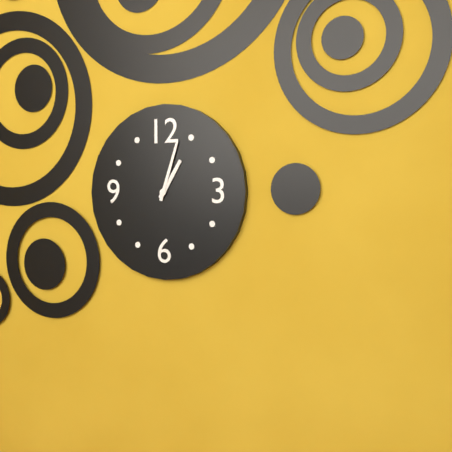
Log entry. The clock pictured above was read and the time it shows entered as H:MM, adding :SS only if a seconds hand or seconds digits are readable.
1:03
